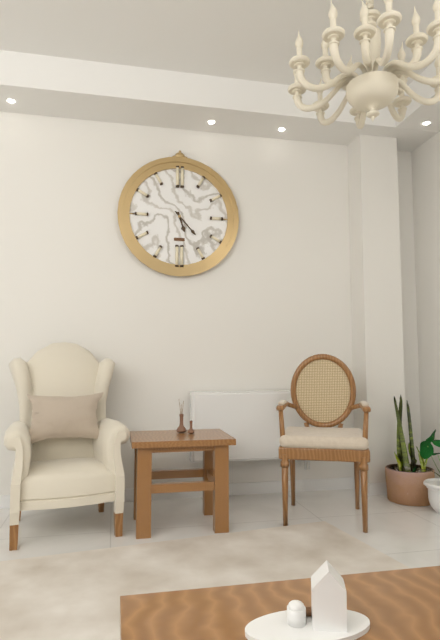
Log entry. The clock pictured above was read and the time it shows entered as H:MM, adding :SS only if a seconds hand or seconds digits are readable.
5:23
